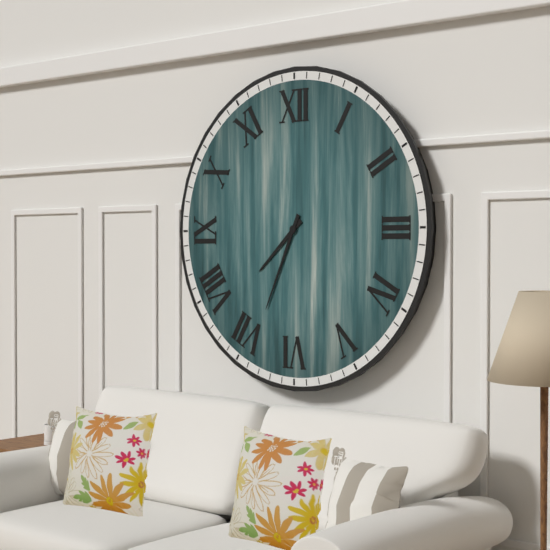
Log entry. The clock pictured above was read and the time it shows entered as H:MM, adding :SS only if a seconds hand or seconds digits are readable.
7:34
